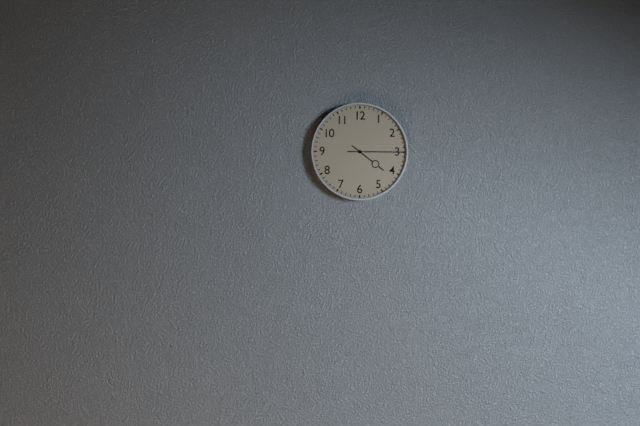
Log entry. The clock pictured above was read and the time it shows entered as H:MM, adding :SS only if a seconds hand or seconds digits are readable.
4:15
